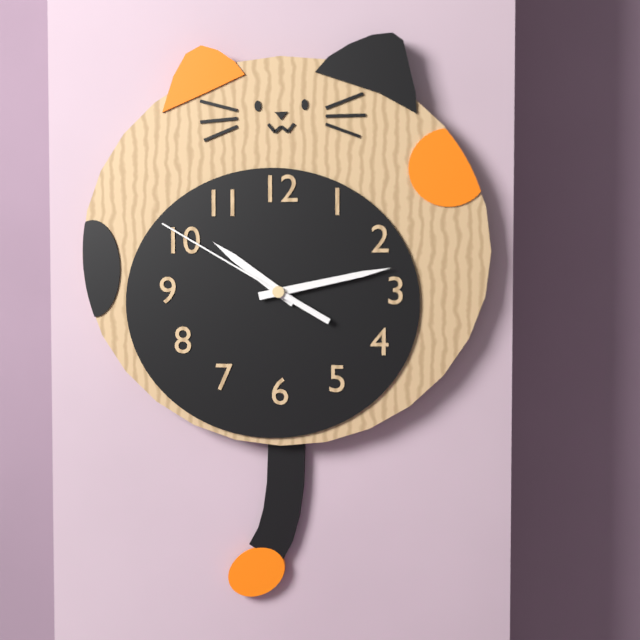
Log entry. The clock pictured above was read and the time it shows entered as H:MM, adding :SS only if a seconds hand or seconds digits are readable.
10:13:50
